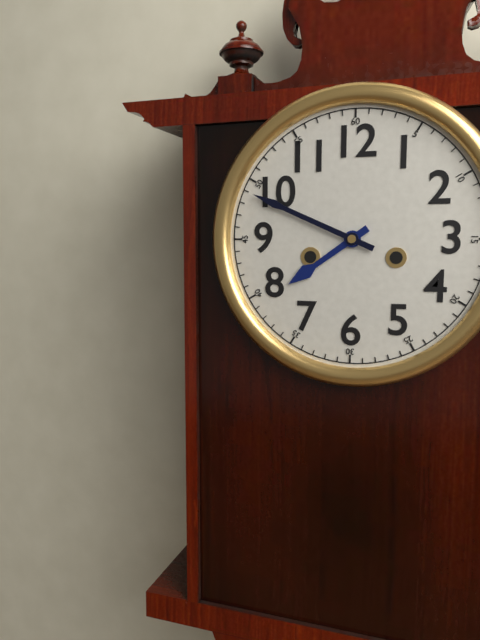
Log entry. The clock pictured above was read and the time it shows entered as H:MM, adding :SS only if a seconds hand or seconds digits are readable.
7:49
